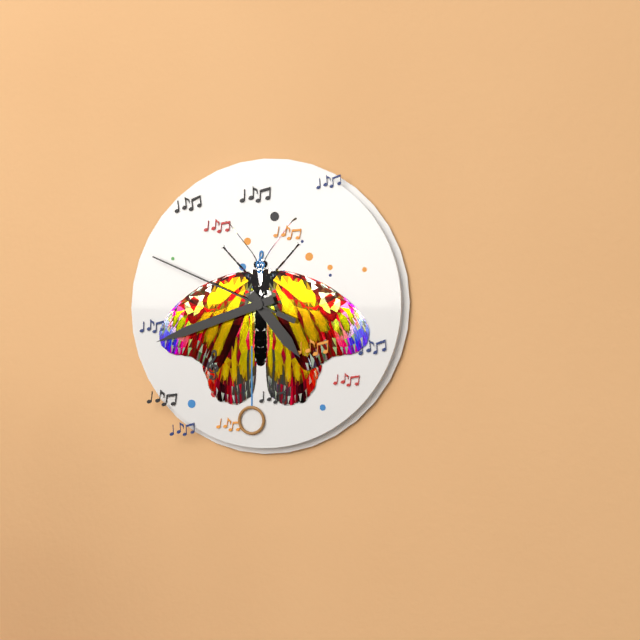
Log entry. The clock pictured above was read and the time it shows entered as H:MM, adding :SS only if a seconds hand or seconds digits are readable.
4:42:49
